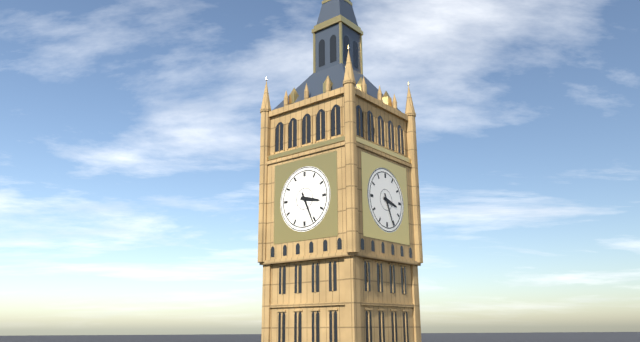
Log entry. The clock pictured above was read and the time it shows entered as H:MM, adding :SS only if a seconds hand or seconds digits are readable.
3:26
